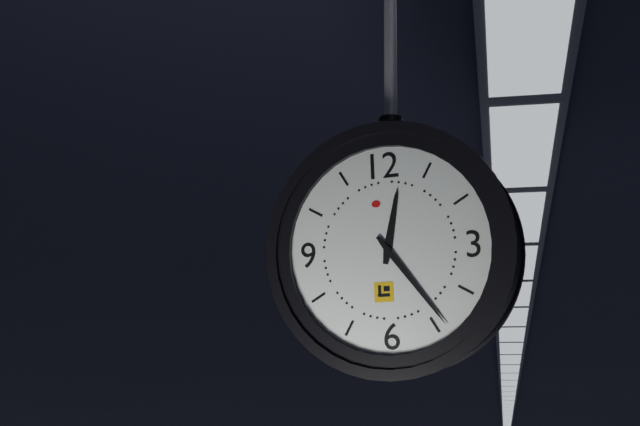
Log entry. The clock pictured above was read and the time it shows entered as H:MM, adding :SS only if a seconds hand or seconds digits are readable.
12:24
